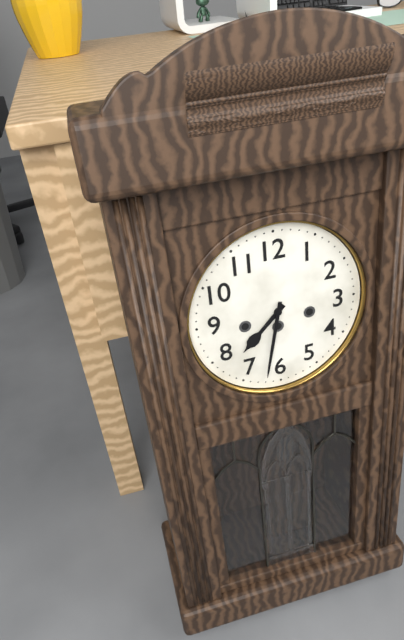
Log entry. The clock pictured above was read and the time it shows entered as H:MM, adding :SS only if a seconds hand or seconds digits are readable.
7:32
